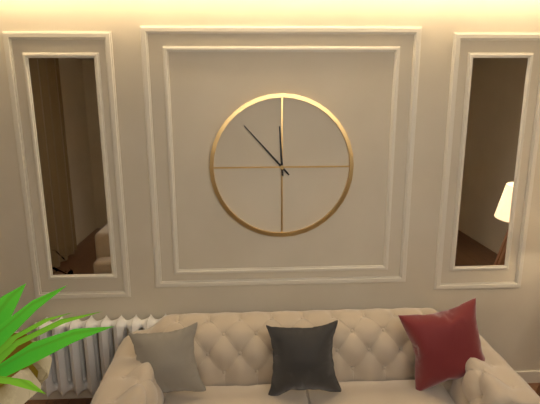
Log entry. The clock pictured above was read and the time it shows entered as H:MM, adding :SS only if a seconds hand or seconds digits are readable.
11:53
